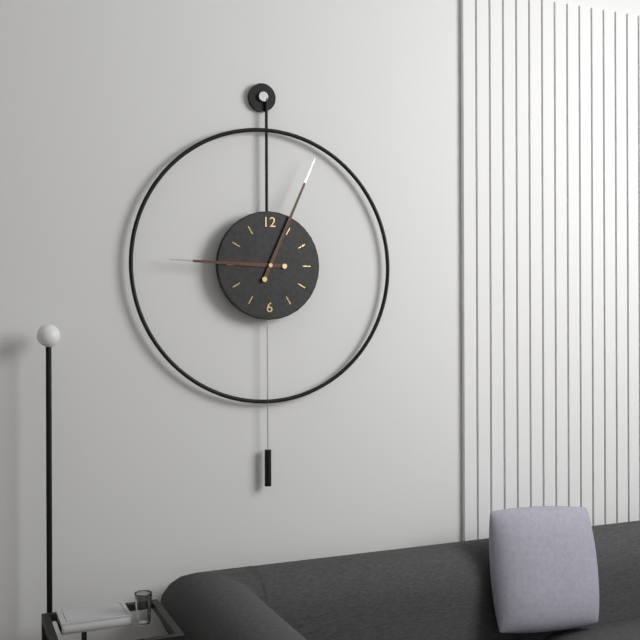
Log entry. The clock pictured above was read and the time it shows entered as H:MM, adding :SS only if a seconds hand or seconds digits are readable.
9:04
